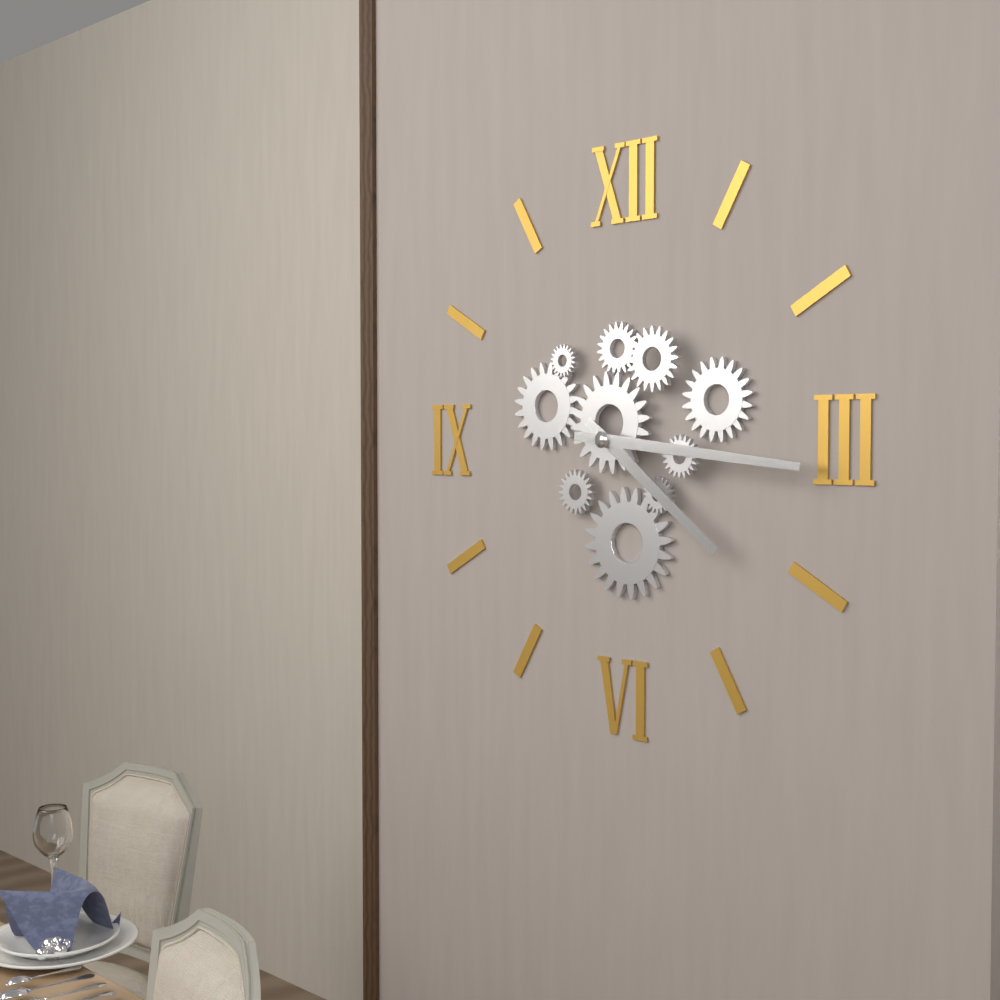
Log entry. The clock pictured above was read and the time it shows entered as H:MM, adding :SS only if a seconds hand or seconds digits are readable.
4:16
